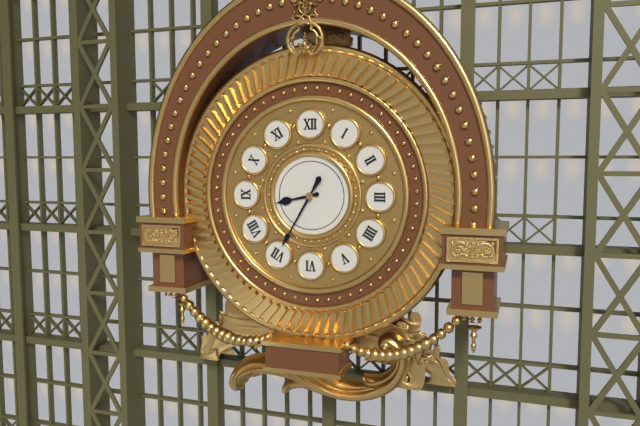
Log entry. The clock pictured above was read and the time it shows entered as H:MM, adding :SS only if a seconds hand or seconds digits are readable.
8:35
